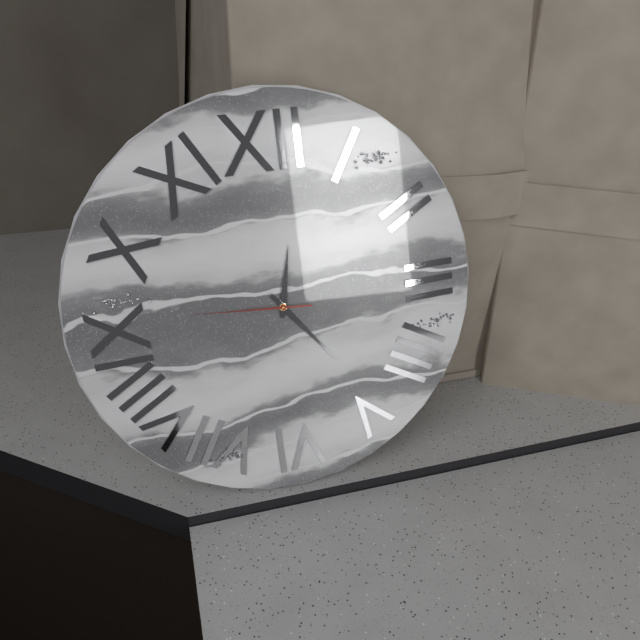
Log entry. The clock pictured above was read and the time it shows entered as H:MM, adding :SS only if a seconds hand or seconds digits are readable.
12:24:46
